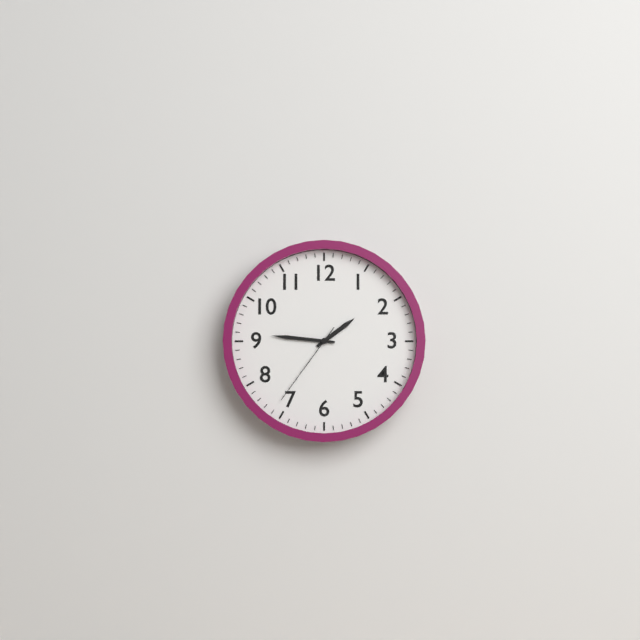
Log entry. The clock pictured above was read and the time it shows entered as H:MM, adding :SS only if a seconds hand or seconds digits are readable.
1:46:36
